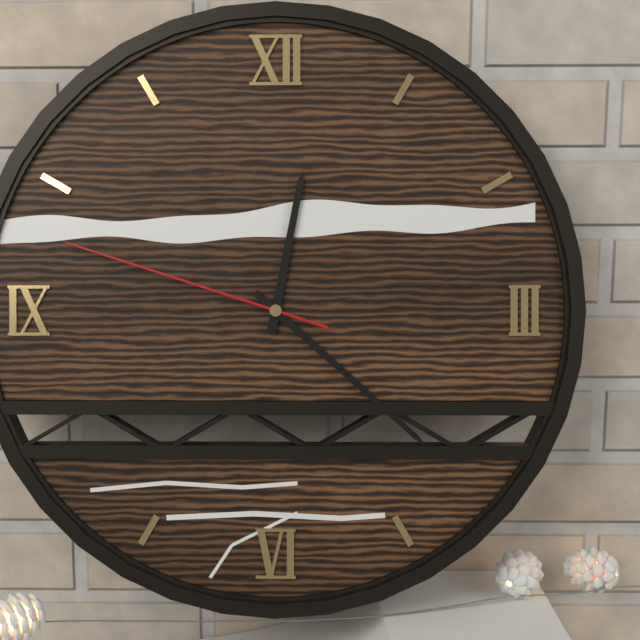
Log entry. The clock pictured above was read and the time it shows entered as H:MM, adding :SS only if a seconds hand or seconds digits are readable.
12:22:48
